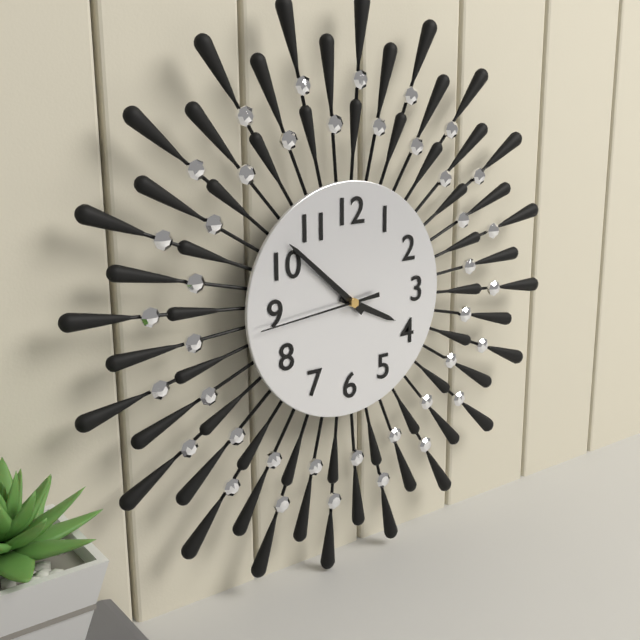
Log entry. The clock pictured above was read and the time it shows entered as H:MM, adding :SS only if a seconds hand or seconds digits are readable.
3:52:44
